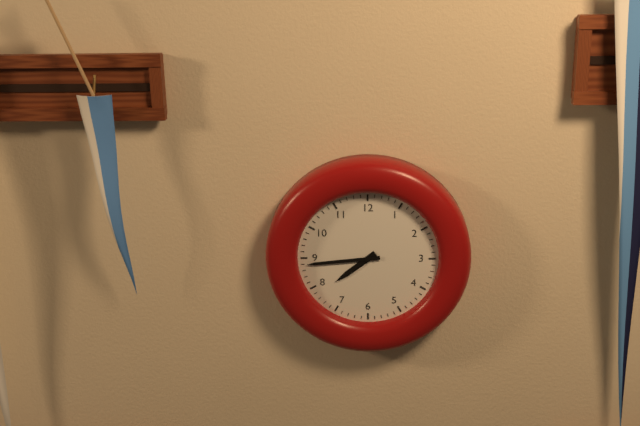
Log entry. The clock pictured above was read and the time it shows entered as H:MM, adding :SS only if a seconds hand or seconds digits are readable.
7:44
